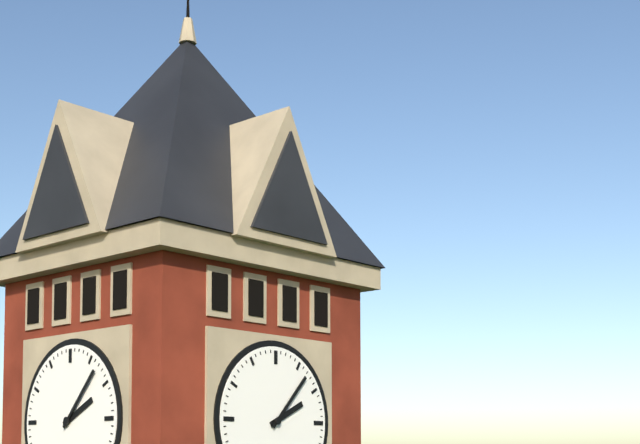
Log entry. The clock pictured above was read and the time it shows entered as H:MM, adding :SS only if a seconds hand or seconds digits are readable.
2:07
